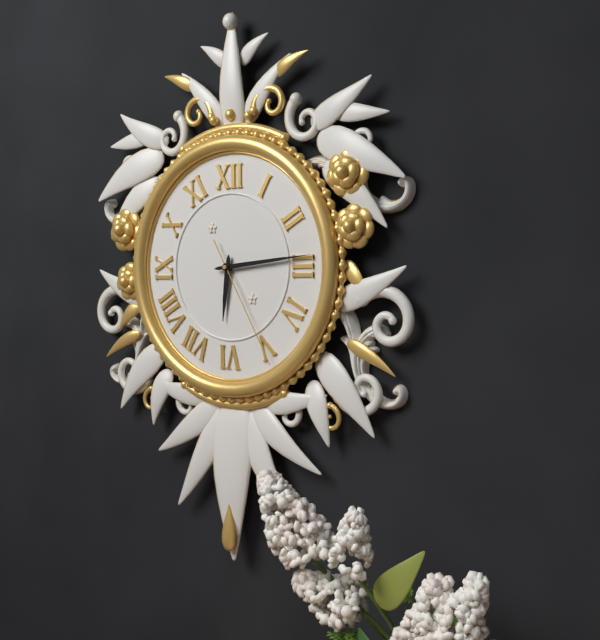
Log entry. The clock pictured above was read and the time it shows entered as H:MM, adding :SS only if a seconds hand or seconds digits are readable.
6:14:25
